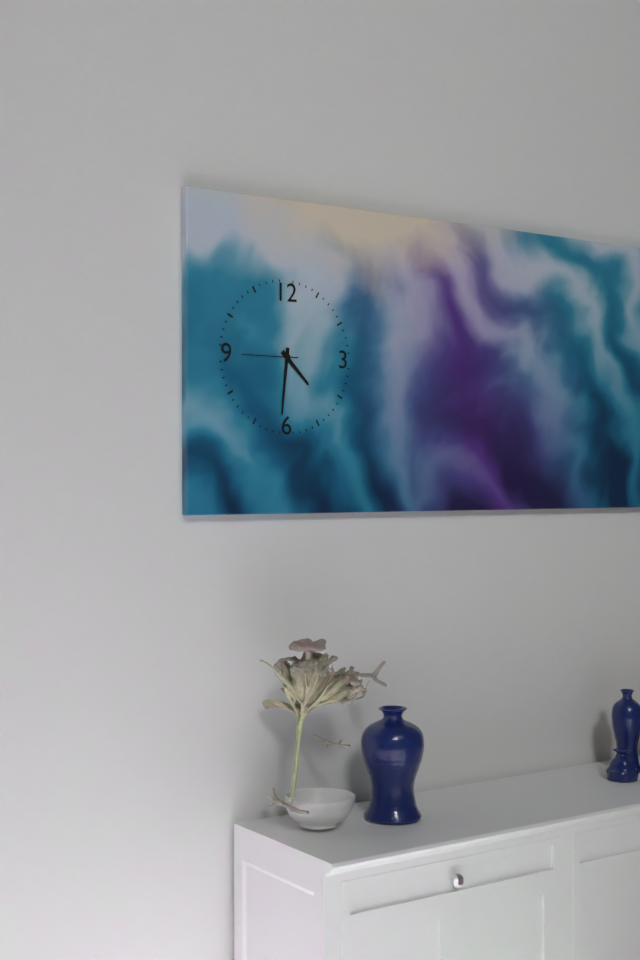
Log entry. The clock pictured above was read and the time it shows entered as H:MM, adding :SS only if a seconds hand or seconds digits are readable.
4:31:45
